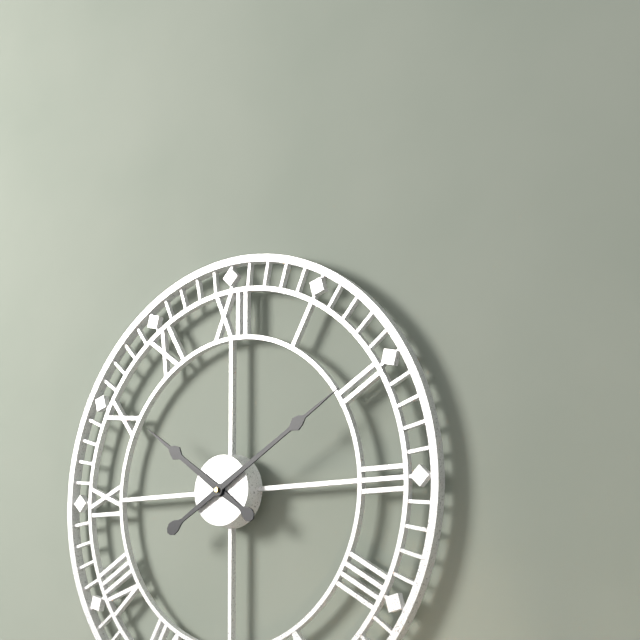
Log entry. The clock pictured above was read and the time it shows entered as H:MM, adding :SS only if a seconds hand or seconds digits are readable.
10:10
